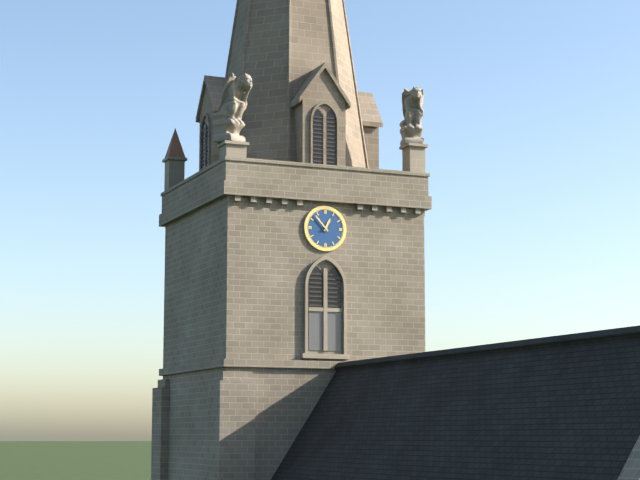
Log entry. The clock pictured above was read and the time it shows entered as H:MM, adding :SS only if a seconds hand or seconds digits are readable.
12:53
